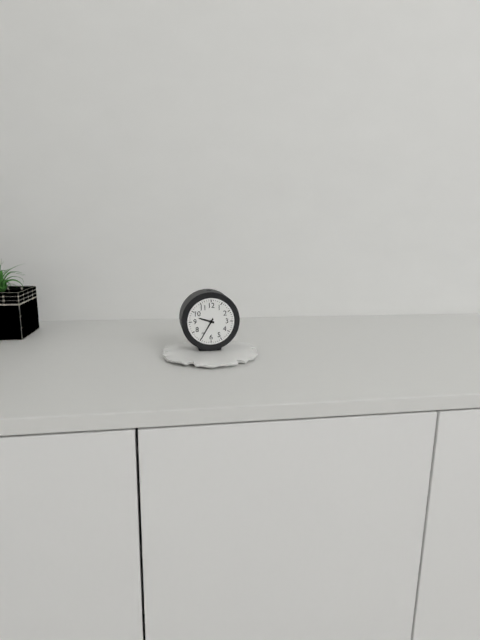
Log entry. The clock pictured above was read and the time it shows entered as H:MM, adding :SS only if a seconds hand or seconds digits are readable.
9:35
